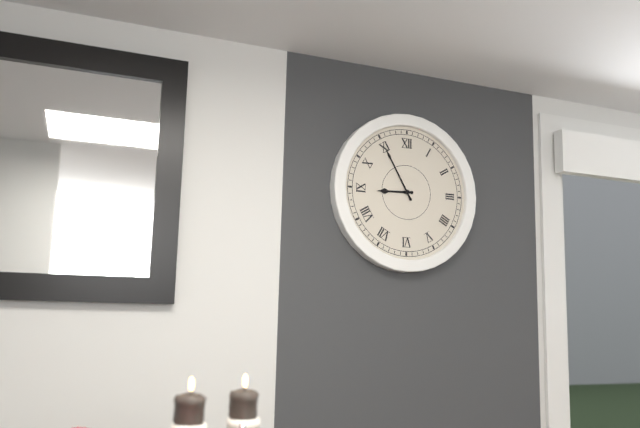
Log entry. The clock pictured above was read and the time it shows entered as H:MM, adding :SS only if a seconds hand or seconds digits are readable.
8:55
